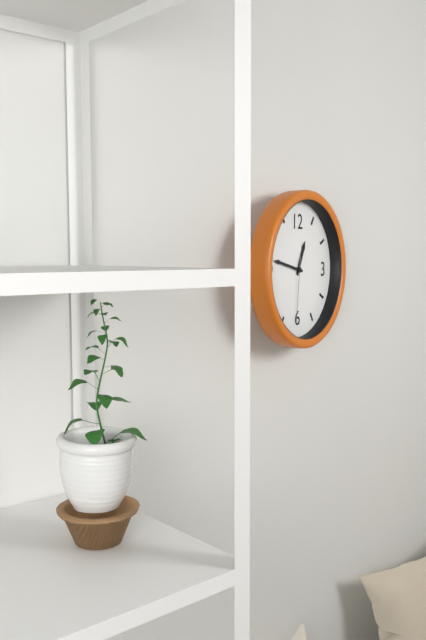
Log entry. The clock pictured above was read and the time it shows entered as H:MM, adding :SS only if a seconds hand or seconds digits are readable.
12:47:31
